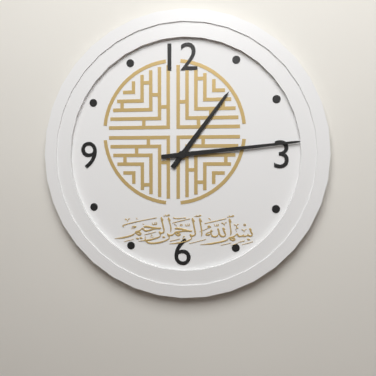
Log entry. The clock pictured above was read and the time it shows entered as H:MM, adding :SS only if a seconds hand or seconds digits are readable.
1:14
